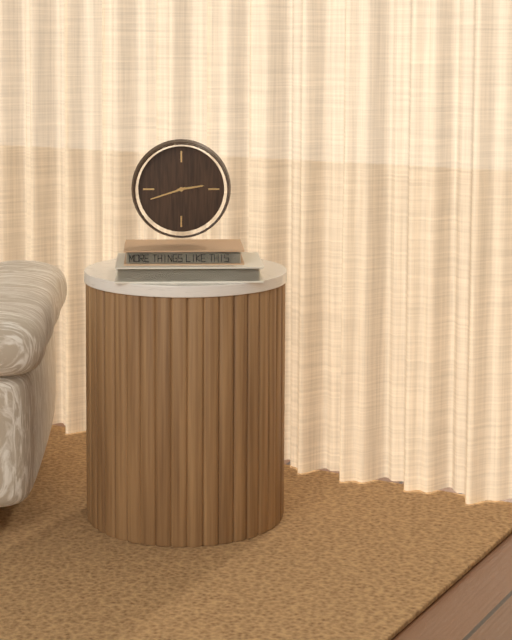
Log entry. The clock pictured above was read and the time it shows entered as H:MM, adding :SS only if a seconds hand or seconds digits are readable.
2:42
